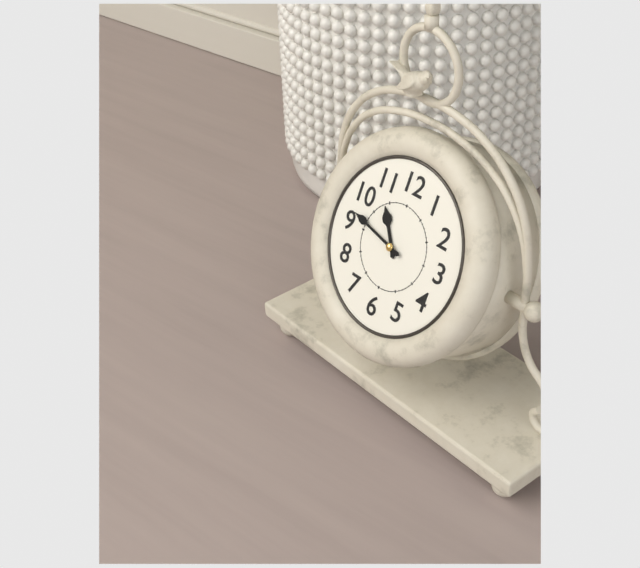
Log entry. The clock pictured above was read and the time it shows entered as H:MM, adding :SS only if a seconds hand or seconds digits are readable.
10:47
